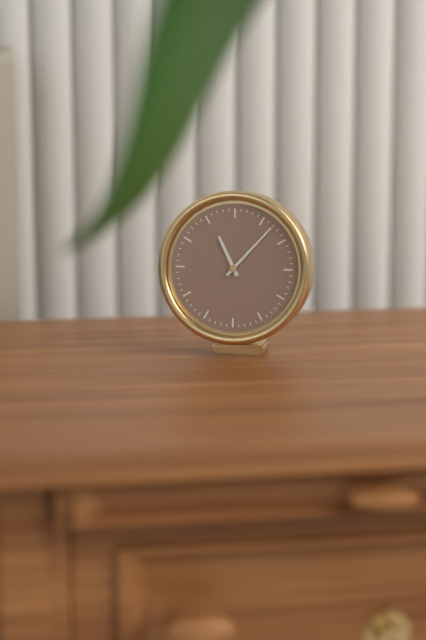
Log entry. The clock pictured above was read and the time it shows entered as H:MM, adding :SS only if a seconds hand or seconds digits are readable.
11:07
